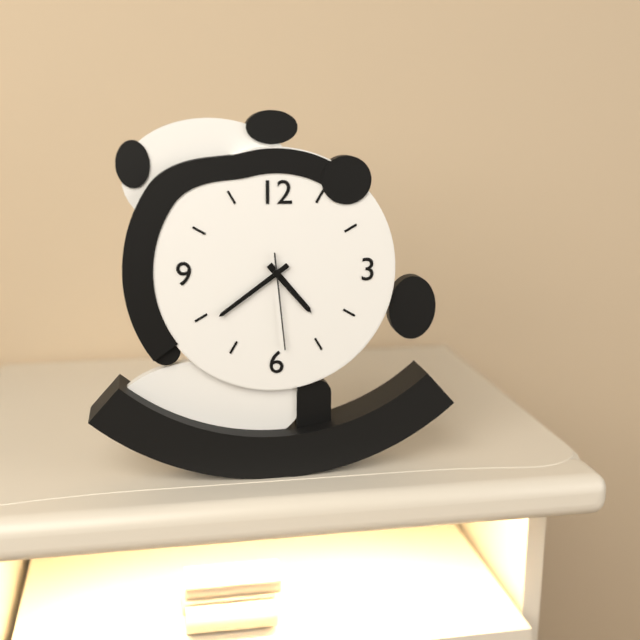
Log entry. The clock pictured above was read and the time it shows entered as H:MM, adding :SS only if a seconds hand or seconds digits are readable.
4:39:29
